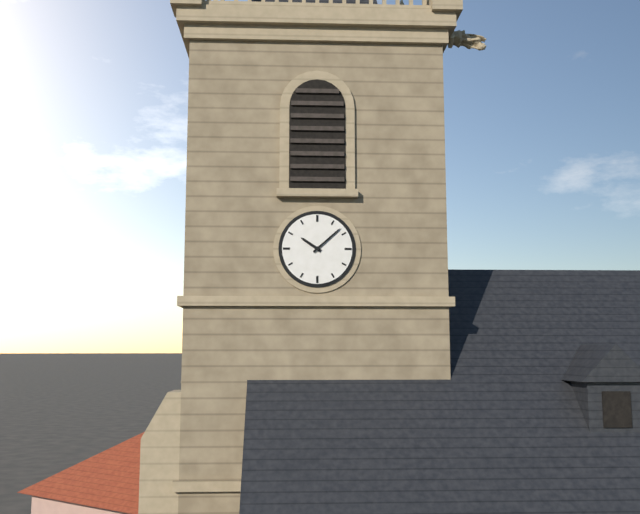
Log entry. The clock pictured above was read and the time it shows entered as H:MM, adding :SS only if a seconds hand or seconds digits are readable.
10:08
